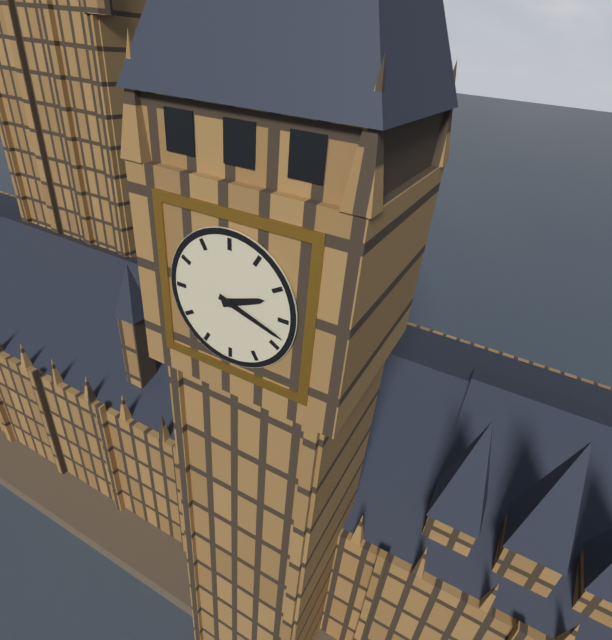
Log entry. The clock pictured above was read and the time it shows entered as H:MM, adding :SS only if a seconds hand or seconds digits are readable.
2:18
